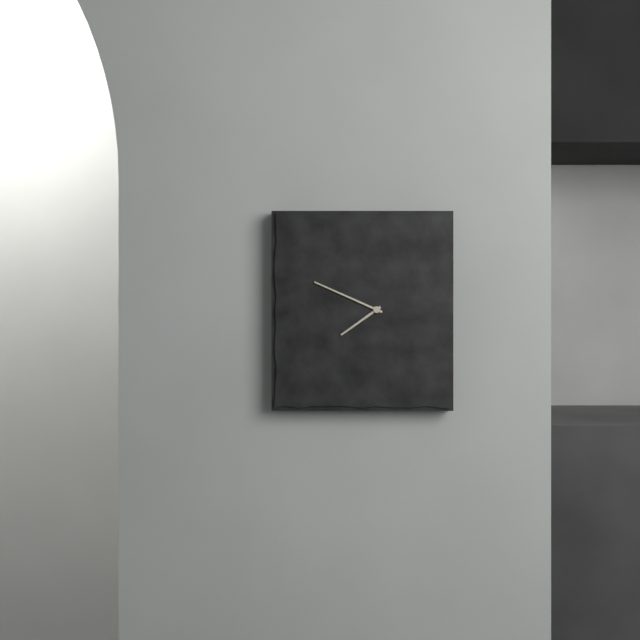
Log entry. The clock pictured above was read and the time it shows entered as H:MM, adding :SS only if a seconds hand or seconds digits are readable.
7:49
